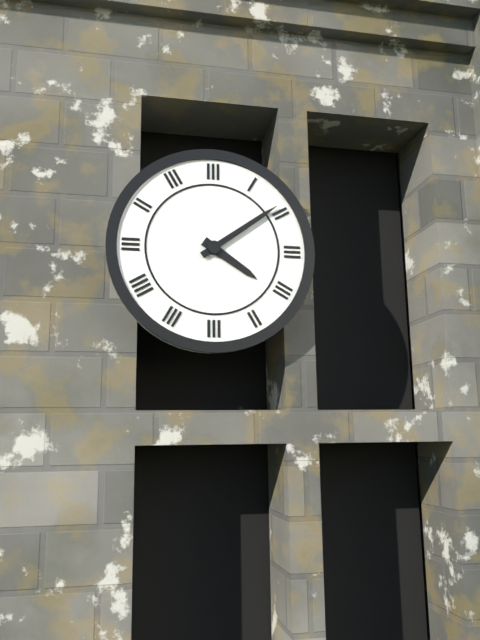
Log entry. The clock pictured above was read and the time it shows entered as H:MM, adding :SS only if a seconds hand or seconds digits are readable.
4:09
